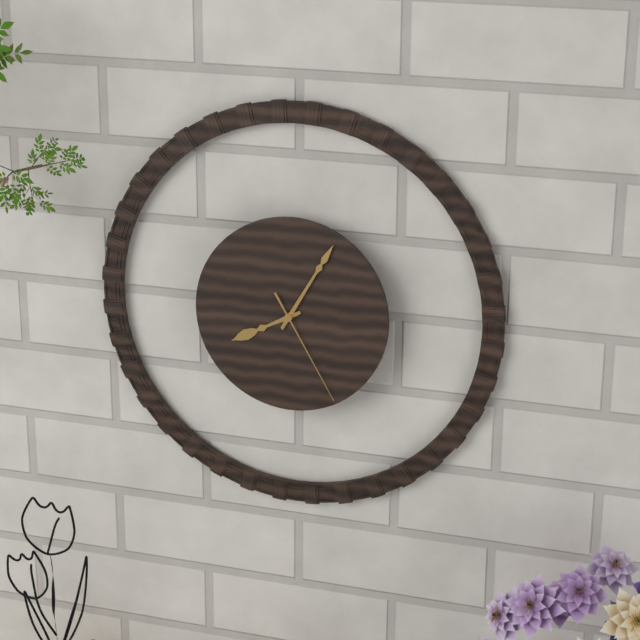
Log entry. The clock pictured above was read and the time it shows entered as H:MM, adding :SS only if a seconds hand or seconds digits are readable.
8:05:25
